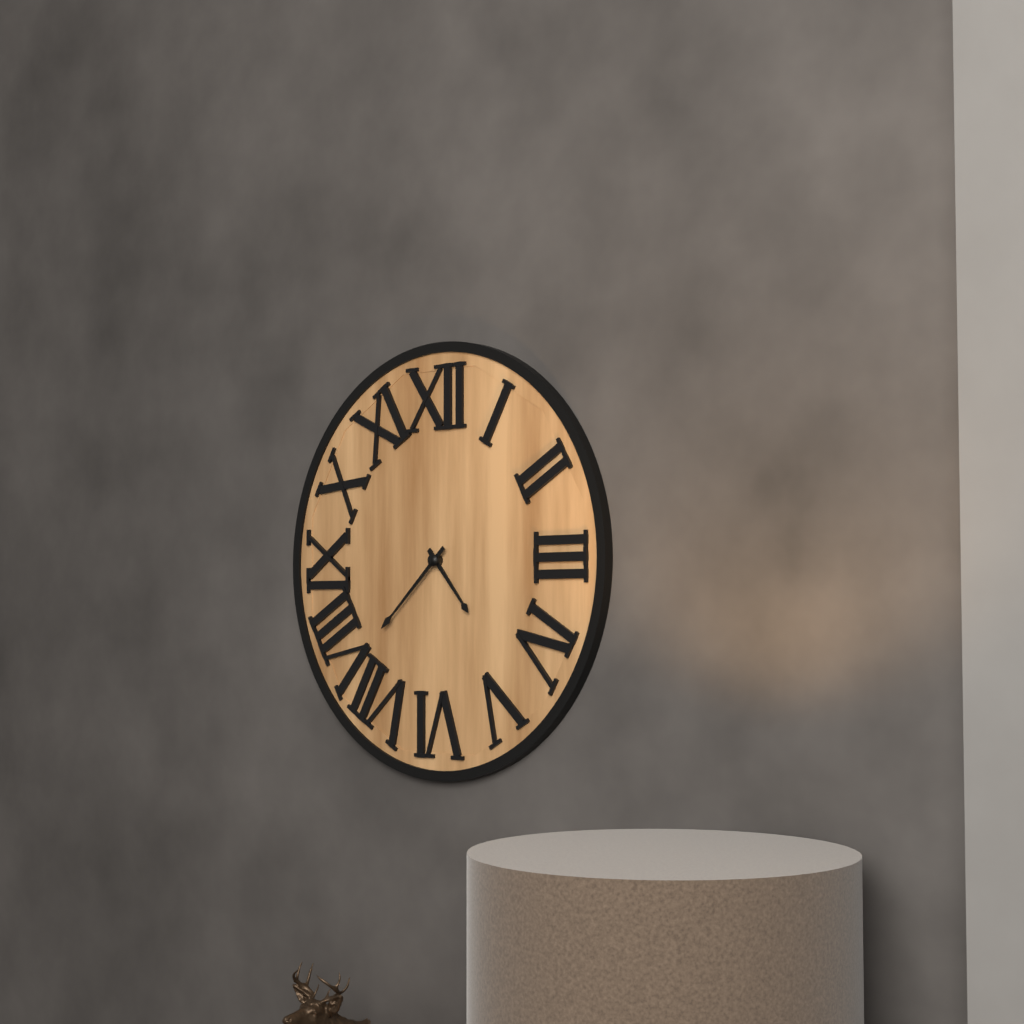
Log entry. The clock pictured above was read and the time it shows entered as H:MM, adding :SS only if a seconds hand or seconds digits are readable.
4:38
